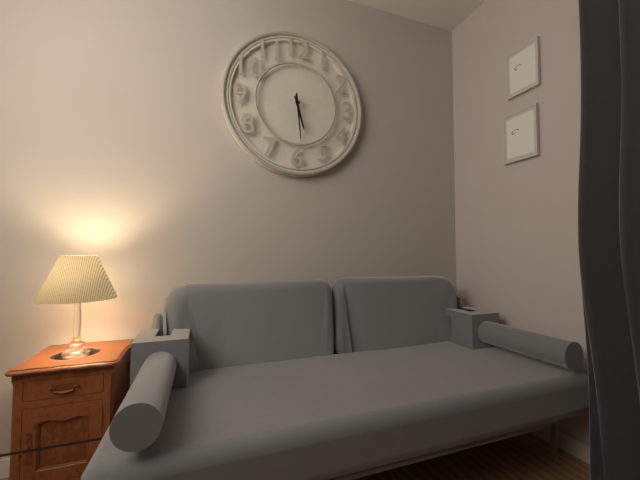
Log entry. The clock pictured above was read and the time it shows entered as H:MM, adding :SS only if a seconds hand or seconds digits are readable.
5:29
